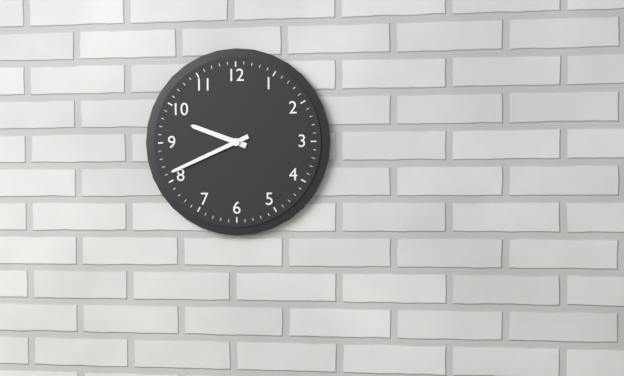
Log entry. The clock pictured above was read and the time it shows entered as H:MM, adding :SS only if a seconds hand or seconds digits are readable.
9:41
